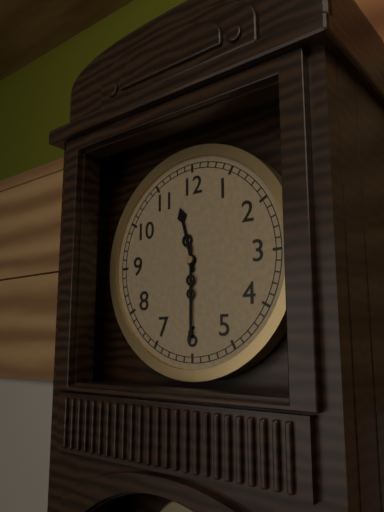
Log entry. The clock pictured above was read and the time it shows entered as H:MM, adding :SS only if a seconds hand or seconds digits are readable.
11:30
